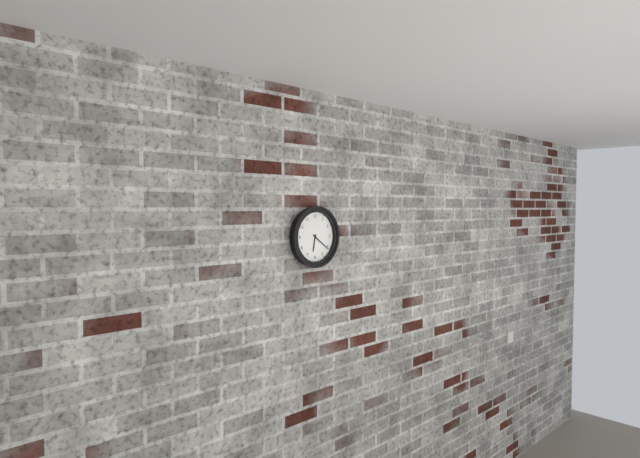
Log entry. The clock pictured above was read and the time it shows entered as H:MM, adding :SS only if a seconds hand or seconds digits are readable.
6:21
